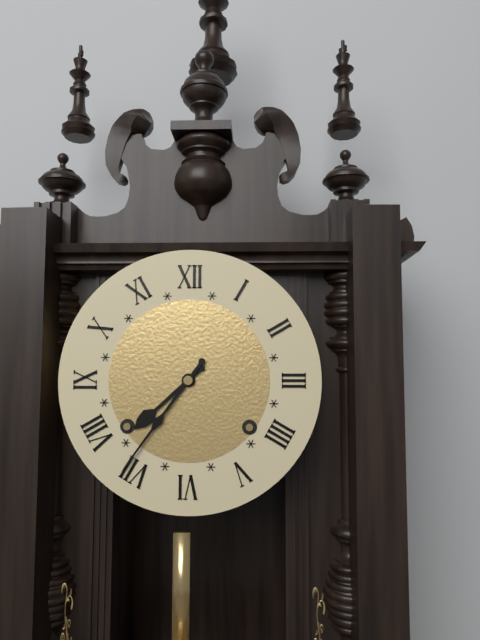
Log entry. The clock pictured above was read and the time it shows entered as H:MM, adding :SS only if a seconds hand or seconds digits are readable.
7:36
